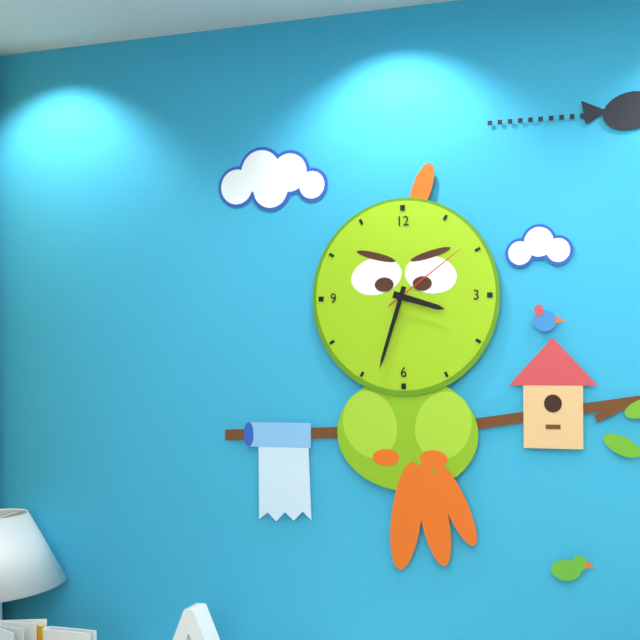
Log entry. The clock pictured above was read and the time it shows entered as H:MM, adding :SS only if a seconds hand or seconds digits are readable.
3:33:09
